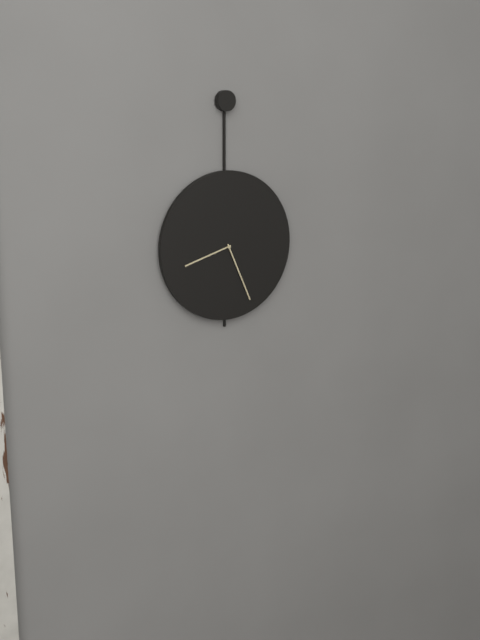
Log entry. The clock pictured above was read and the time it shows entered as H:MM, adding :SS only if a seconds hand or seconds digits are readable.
8:26
